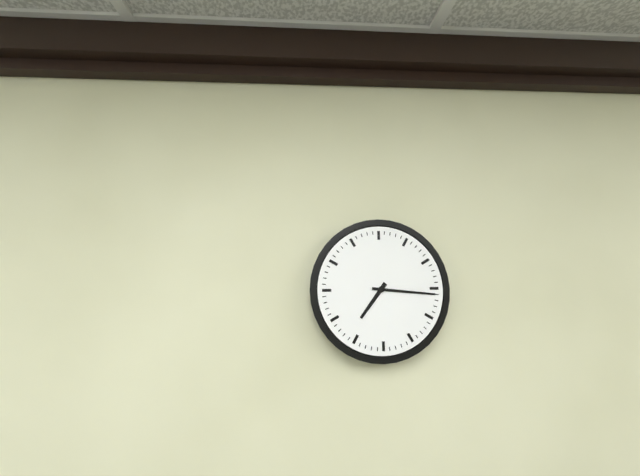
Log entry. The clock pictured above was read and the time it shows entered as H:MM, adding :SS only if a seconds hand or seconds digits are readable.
7:16
